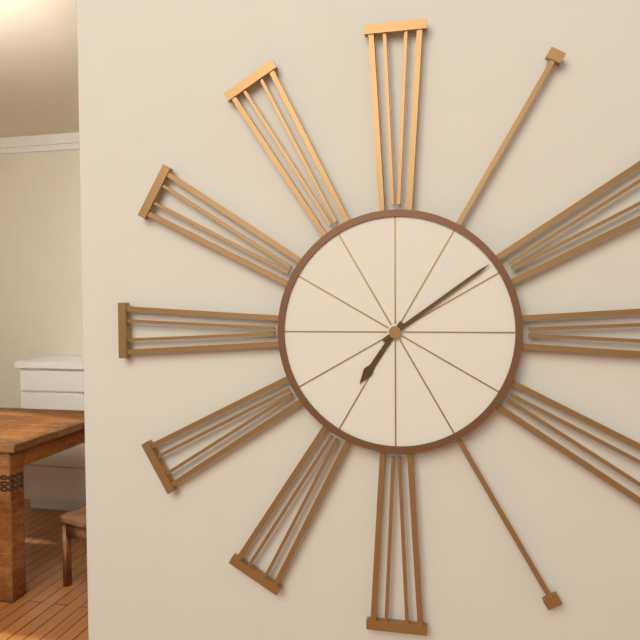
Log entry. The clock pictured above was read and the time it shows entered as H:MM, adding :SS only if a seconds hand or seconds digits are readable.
7:09
